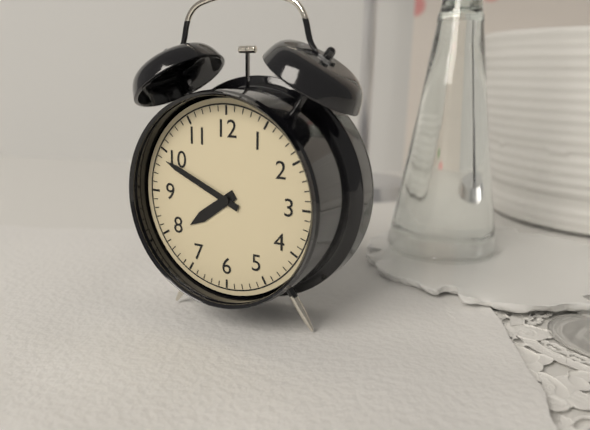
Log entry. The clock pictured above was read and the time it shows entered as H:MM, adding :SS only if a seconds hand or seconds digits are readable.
7:49
